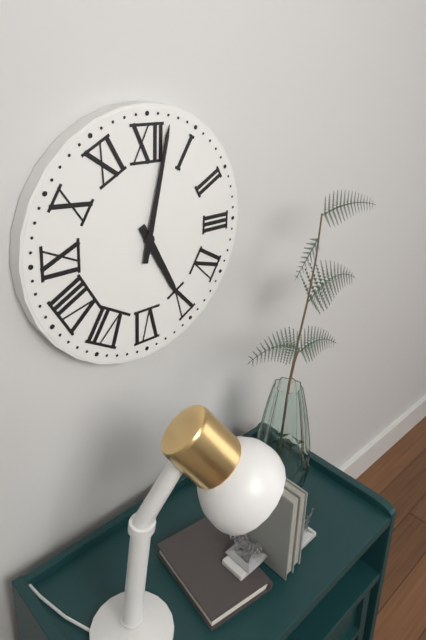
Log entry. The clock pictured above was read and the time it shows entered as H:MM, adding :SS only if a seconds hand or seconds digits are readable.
5:02
